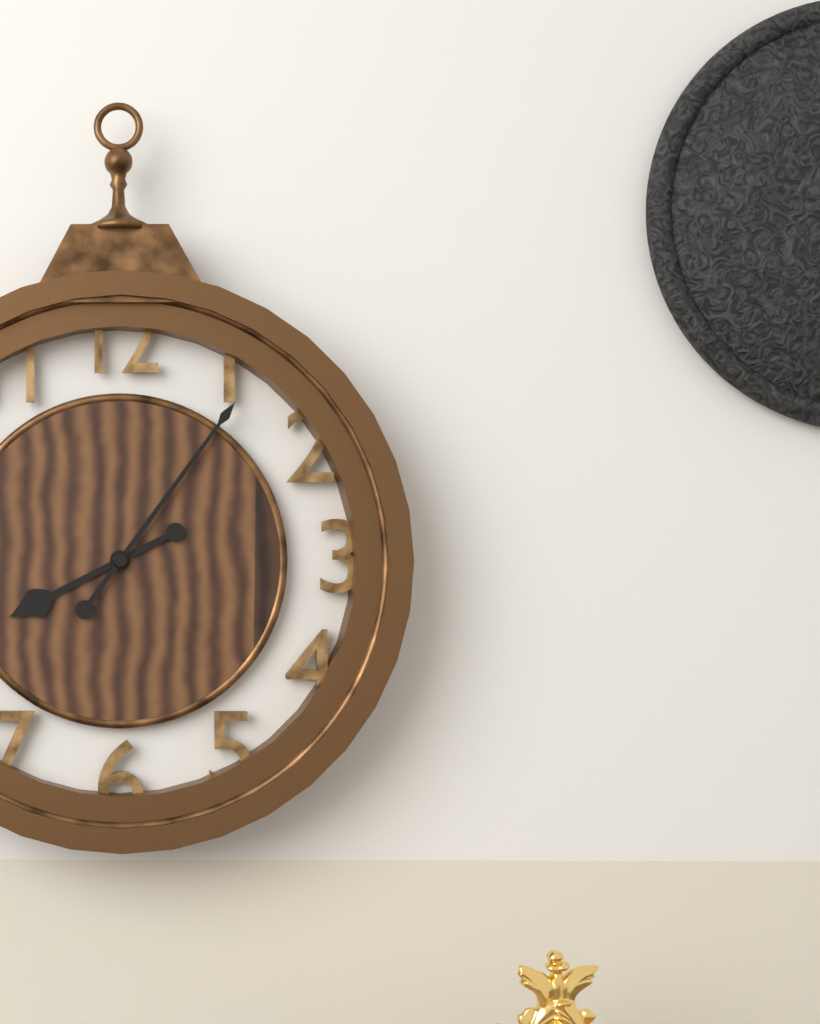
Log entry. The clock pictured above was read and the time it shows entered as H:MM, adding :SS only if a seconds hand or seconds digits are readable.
8:06
